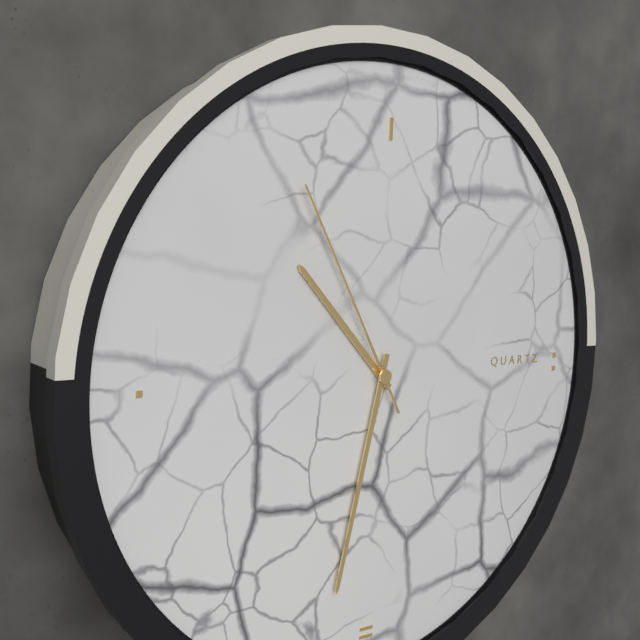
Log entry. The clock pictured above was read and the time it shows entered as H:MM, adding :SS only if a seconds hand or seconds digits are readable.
10:32:55
